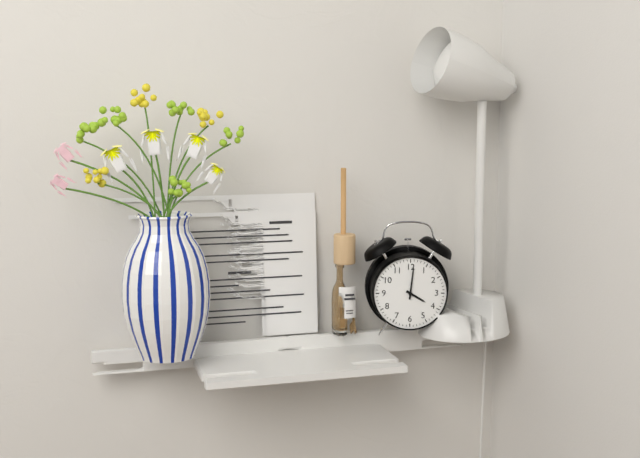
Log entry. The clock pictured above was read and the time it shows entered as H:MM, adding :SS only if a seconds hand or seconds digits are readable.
4:01
